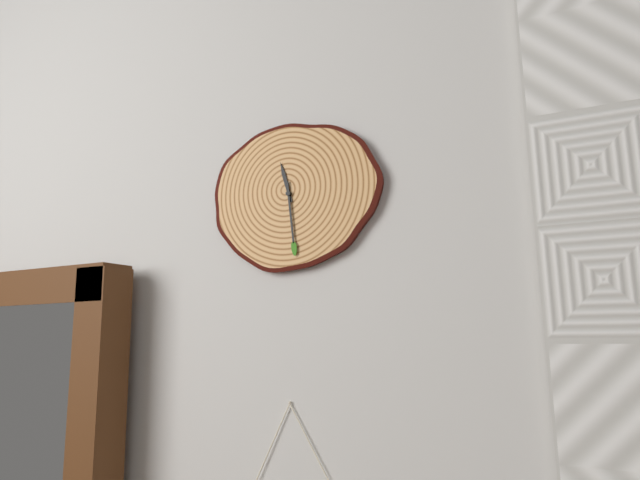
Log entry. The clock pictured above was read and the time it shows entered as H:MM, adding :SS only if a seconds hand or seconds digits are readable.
11:29
